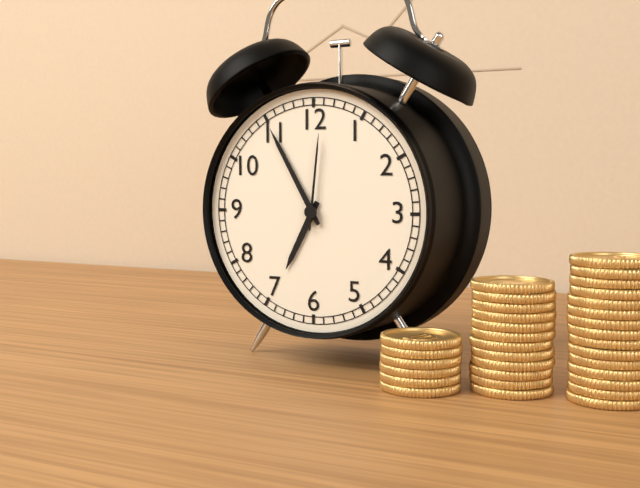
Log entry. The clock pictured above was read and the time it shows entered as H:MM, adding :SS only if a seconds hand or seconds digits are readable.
6:55:01
